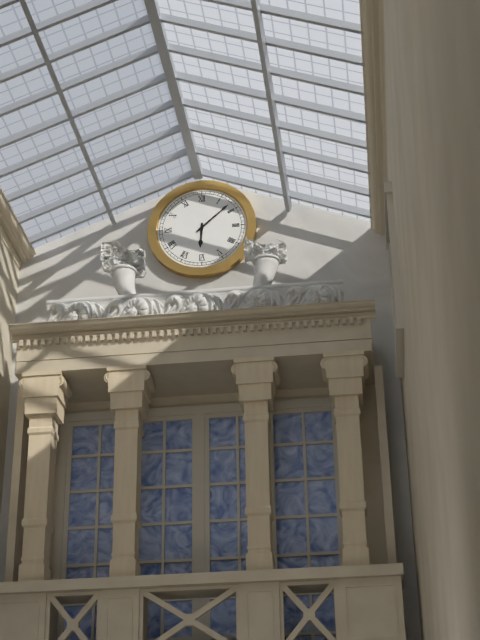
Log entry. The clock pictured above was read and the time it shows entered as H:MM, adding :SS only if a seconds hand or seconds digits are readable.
6:08
